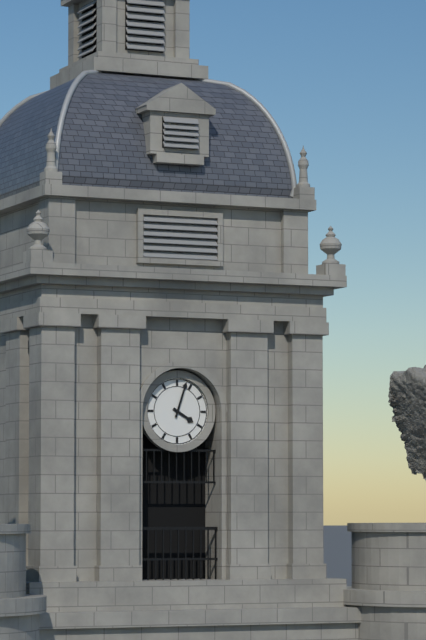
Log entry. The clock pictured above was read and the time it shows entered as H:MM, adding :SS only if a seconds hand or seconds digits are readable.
4:03
